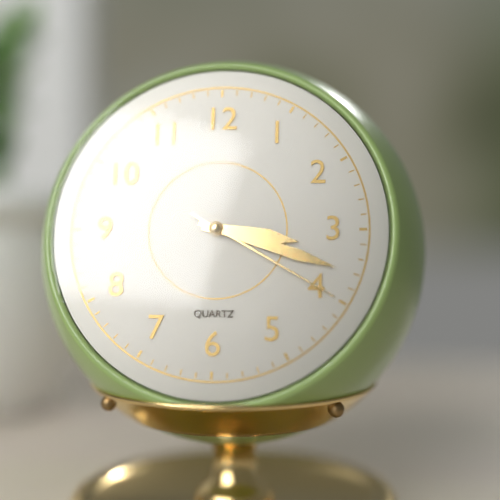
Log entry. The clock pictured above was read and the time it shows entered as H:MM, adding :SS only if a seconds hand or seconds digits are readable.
3:18:20
